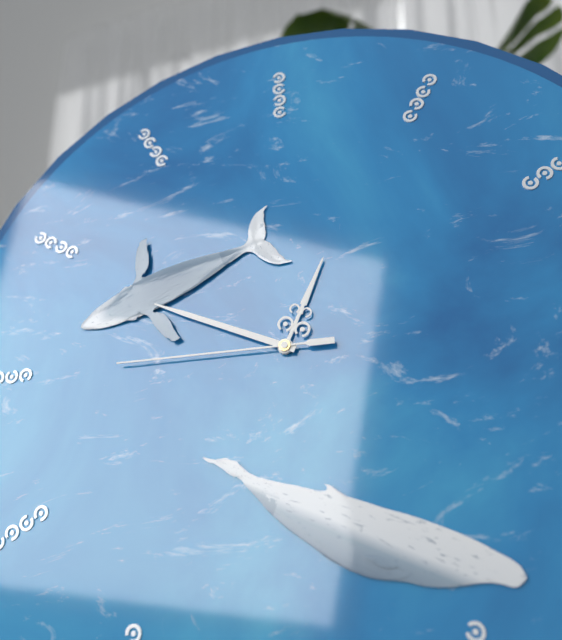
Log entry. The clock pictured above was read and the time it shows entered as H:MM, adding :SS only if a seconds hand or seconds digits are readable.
12:49:45
